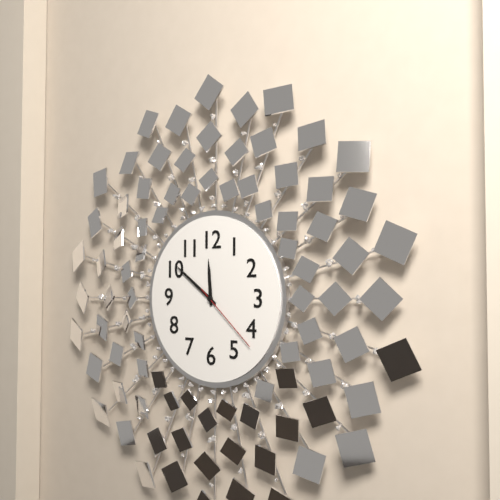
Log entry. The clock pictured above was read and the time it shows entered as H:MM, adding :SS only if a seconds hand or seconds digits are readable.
11:51:22
